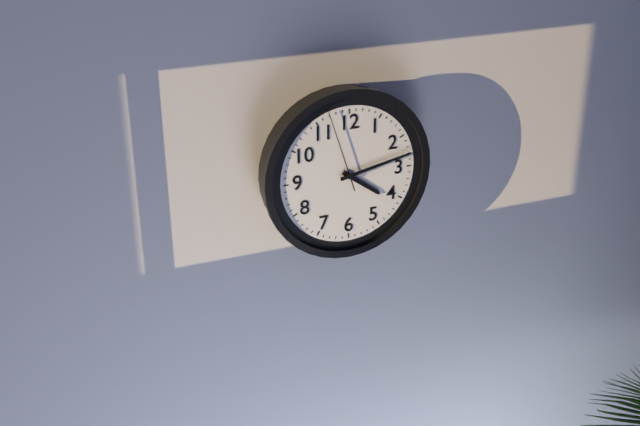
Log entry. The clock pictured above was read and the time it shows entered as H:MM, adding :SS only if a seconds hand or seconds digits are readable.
4:13:57
